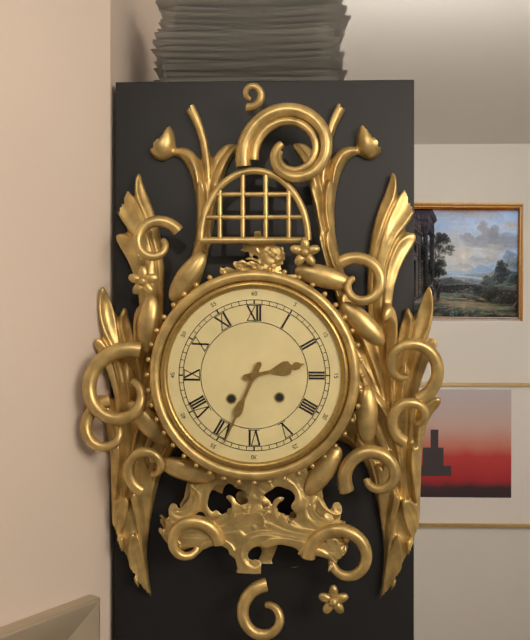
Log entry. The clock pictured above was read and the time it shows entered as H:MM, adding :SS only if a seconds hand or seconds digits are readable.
2:34
